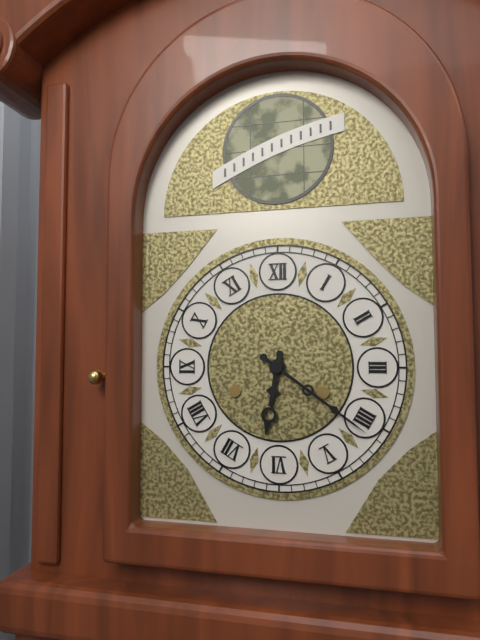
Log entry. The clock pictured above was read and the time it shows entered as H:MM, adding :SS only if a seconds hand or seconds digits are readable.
6:21
